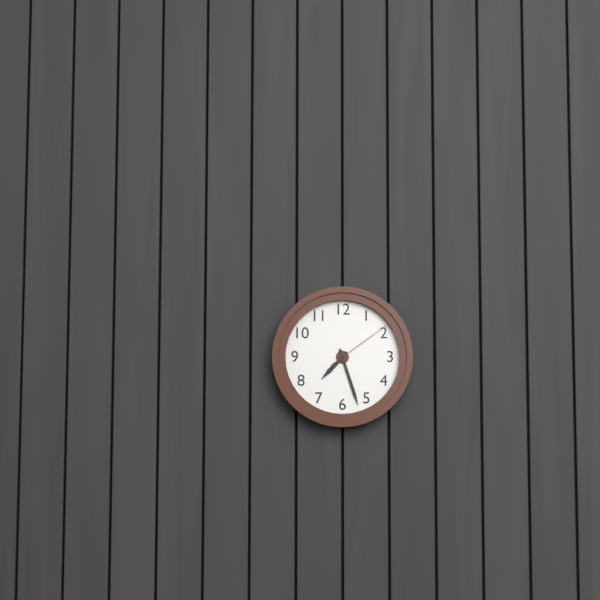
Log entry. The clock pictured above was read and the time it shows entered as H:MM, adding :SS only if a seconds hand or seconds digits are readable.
7:27:09
